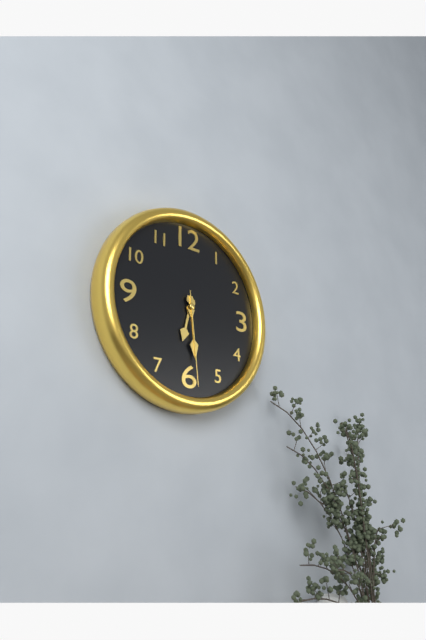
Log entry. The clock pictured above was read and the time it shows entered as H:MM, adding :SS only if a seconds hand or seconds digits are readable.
6:29:29
